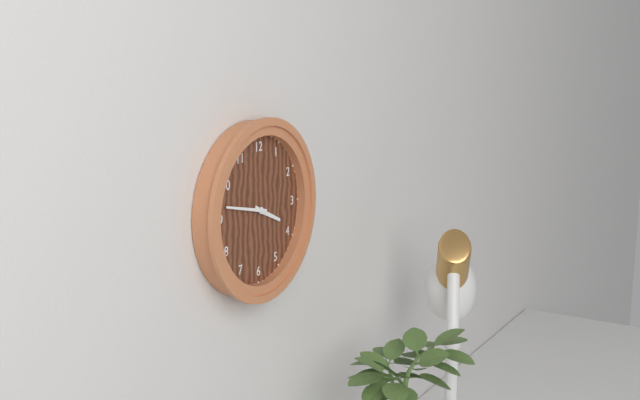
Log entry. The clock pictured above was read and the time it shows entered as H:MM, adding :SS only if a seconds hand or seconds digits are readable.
3:47
